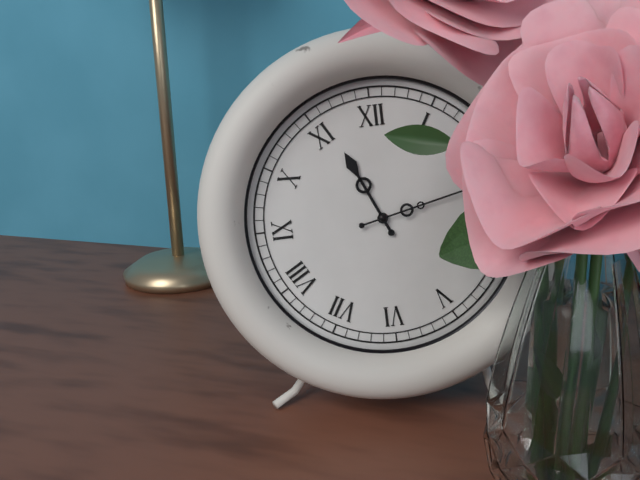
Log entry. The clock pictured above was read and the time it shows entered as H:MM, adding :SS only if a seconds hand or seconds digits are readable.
11:13
